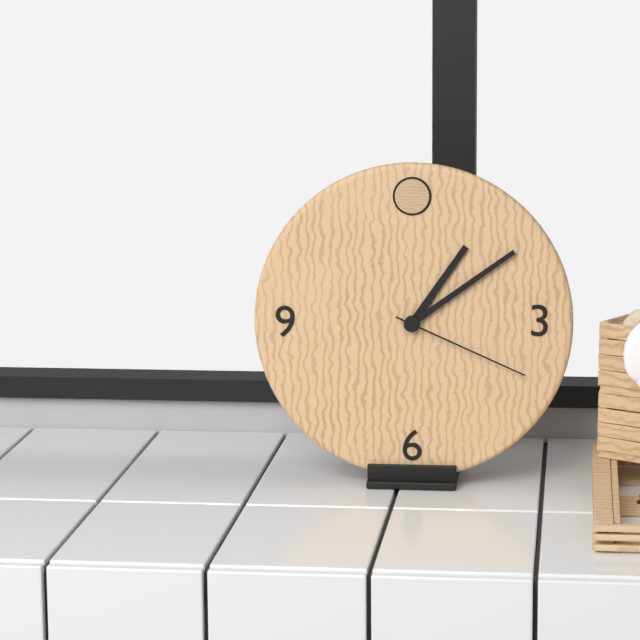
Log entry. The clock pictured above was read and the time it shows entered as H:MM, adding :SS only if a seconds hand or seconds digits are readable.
1:09:19
